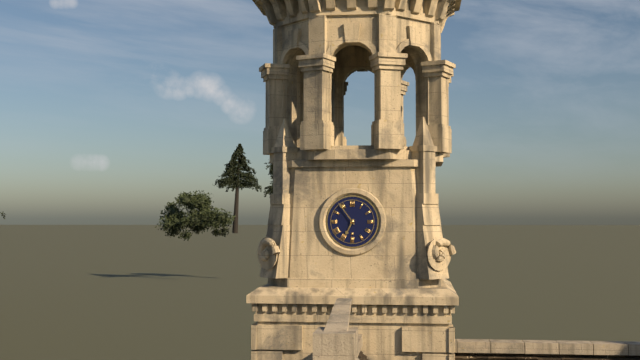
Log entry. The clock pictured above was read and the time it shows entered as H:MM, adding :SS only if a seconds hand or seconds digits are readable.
6:54
